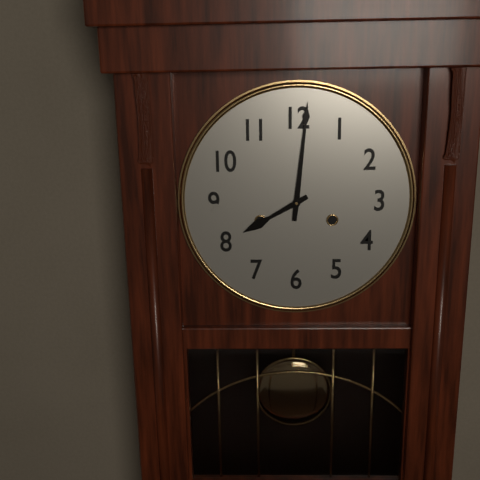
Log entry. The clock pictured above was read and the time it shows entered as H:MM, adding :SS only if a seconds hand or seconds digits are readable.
8:01
